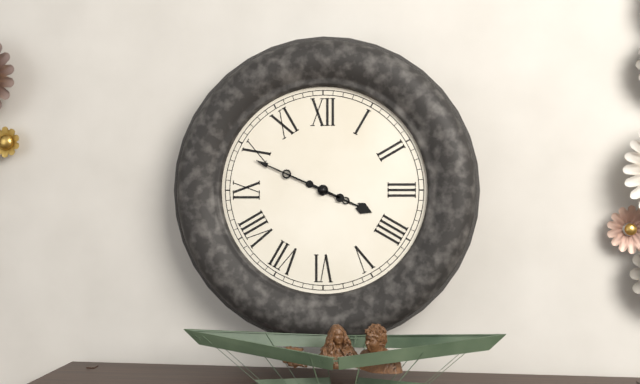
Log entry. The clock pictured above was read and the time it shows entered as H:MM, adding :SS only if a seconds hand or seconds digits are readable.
3:49
